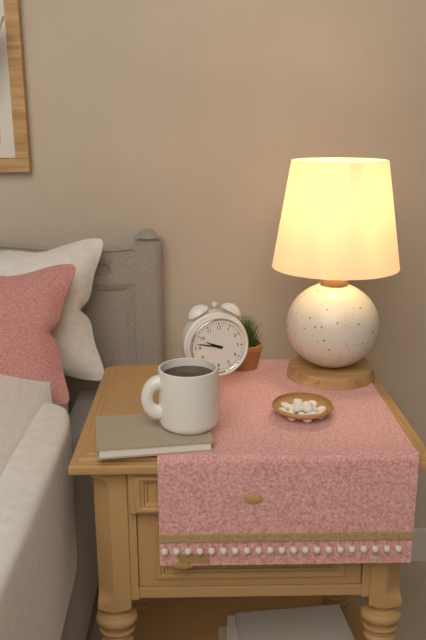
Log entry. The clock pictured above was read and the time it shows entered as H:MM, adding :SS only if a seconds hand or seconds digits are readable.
9:47
